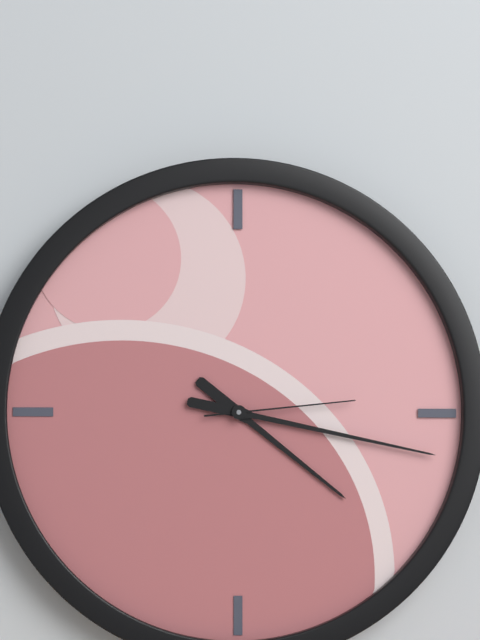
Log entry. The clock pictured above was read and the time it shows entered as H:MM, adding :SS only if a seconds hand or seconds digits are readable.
4:17:14
